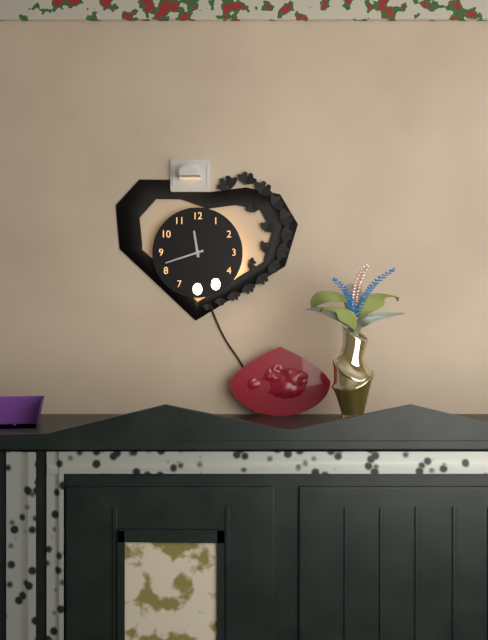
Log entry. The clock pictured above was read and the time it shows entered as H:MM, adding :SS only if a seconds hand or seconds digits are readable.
11:42
